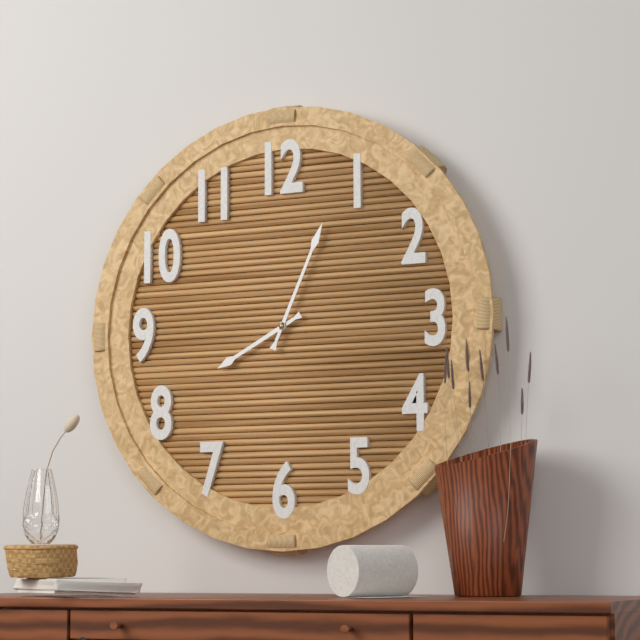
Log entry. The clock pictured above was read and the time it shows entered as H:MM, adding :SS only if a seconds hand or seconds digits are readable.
8:04
